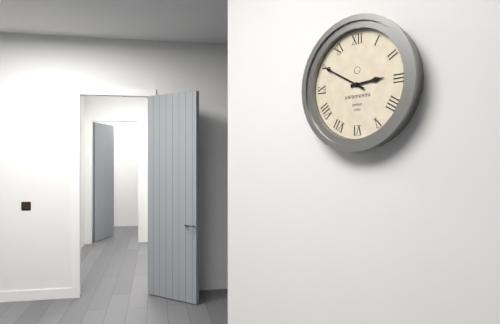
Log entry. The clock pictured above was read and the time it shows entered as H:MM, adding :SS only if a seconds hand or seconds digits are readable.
2:50
